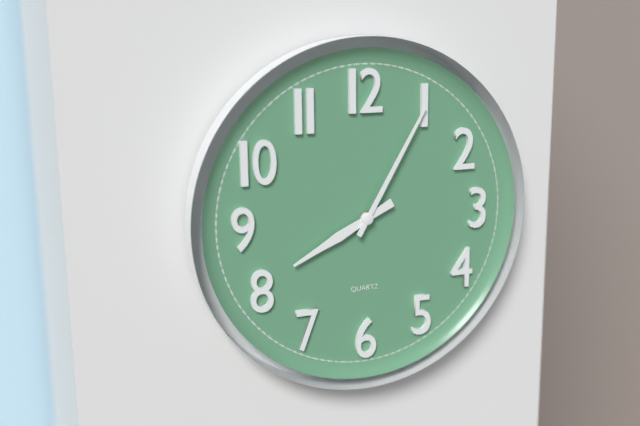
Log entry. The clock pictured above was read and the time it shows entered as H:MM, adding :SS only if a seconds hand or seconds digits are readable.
8:05
